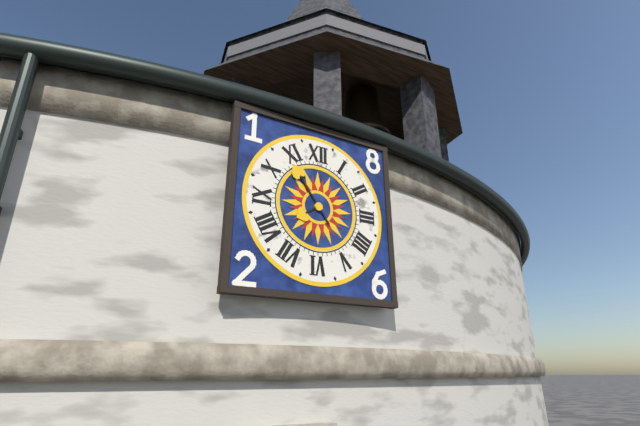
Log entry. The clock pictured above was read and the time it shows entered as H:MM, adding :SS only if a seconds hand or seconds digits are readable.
7:54
